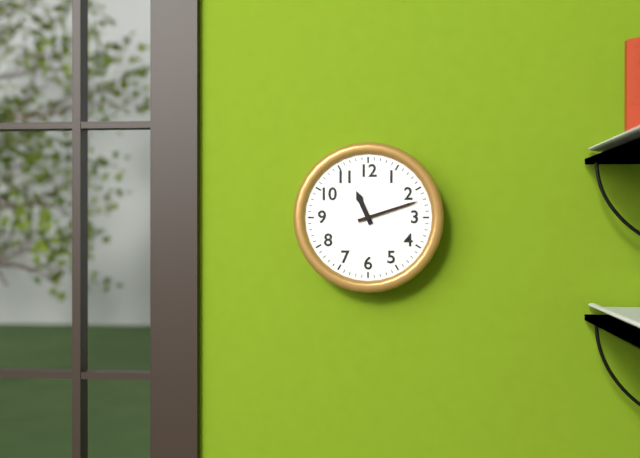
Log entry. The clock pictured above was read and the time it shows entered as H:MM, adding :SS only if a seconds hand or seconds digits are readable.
11:12
